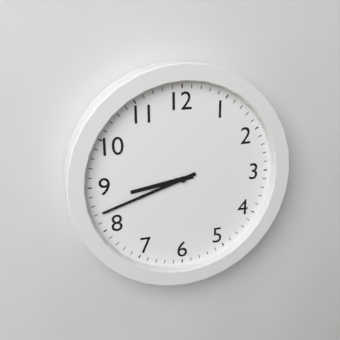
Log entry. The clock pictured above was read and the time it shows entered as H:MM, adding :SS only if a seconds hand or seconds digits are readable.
8:42
